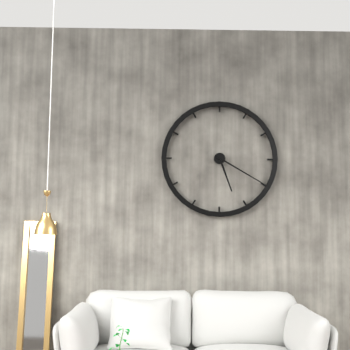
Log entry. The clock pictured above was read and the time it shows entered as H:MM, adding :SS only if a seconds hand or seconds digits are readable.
5:20
